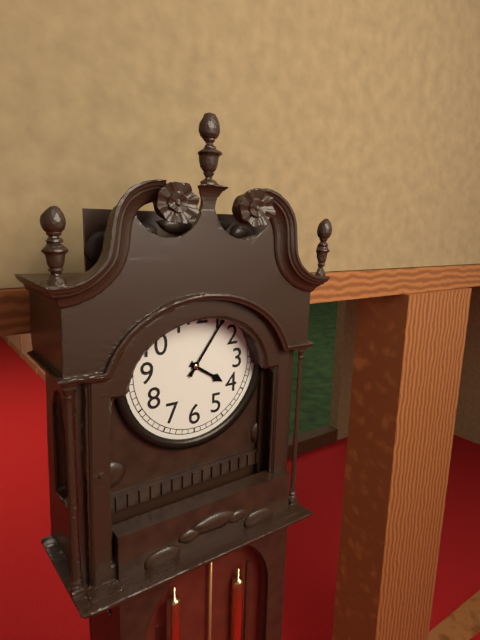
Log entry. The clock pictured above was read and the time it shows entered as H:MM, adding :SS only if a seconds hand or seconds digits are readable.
4:06
